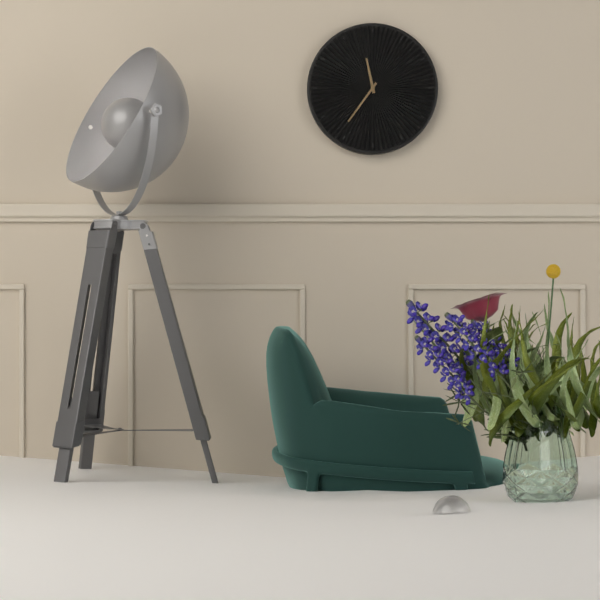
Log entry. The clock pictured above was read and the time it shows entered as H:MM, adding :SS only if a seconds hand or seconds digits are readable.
11:36
